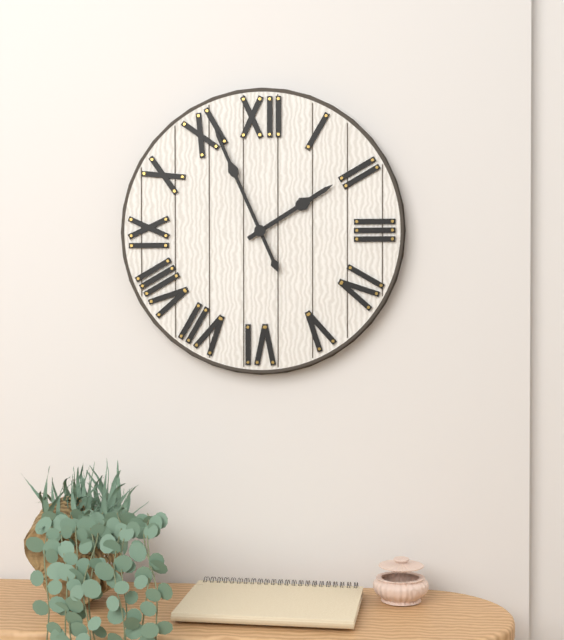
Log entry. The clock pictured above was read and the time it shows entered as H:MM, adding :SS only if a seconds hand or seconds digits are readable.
1:56
